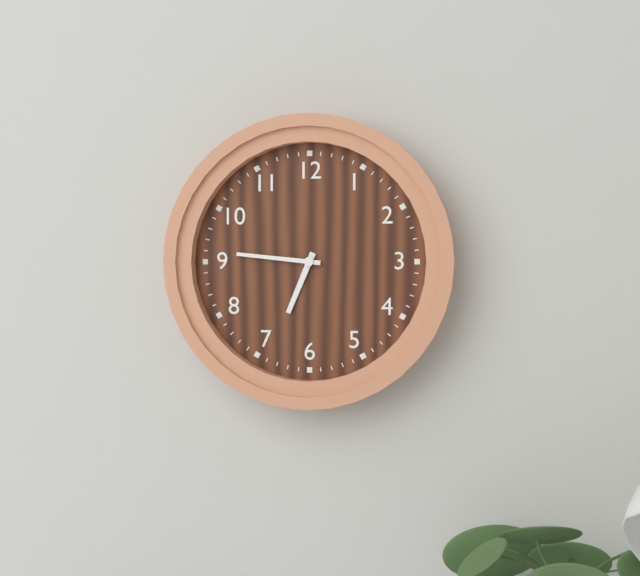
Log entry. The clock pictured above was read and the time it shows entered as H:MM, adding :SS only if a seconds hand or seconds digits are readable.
6:46
